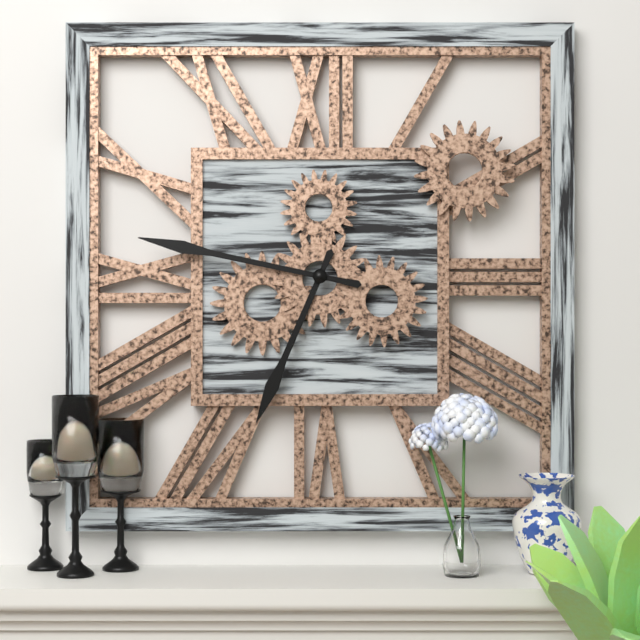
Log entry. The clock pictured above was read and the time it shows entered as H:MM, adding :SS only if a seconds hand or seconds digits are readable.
6:47
